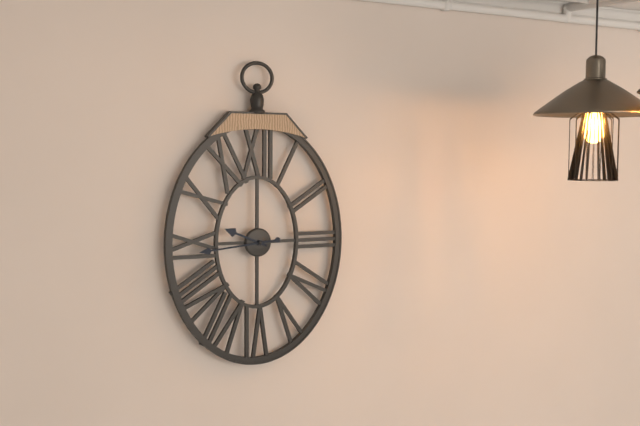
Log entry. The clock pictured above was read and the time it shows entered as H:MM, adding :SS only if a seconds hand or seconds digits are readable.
9:44
